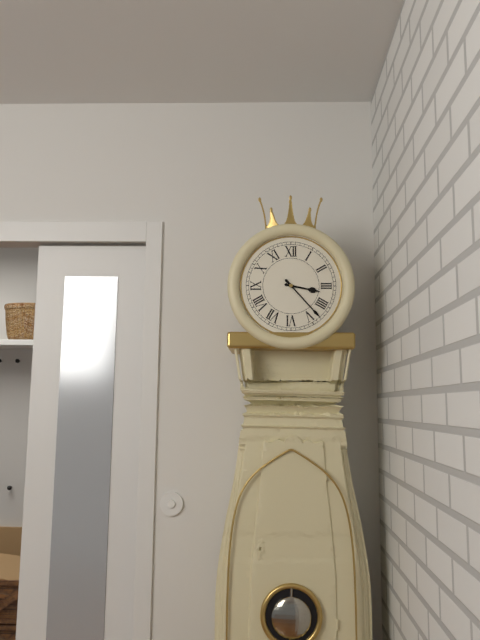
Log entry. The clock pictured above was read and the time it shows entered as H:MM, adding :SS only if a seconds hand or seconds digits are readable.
3:23
